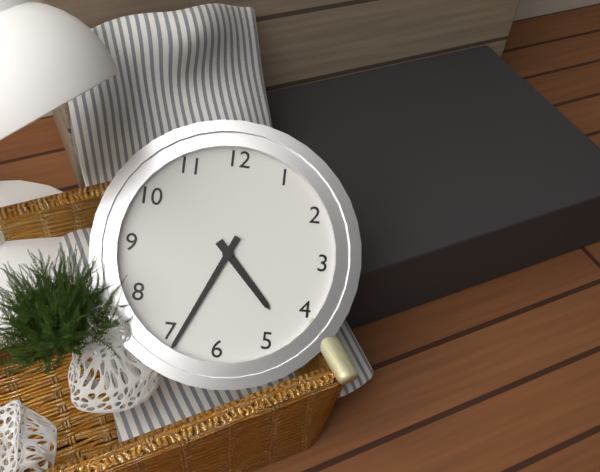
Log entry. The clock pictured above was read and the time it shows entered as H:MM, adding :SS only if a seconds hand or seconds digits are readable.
4:34
